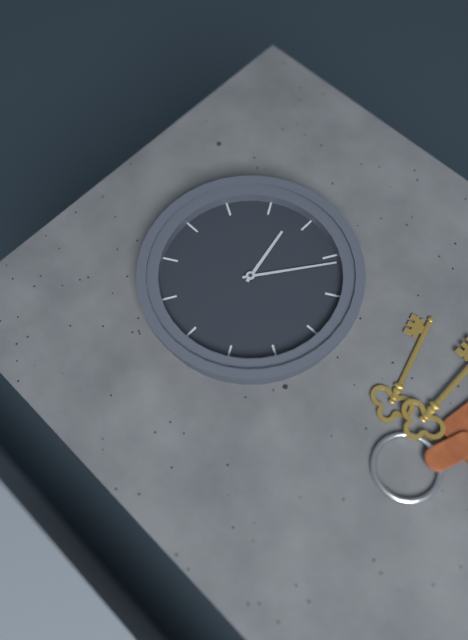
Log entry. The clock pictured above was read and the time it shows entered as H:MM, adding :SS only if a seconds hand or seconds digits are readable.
5:36
